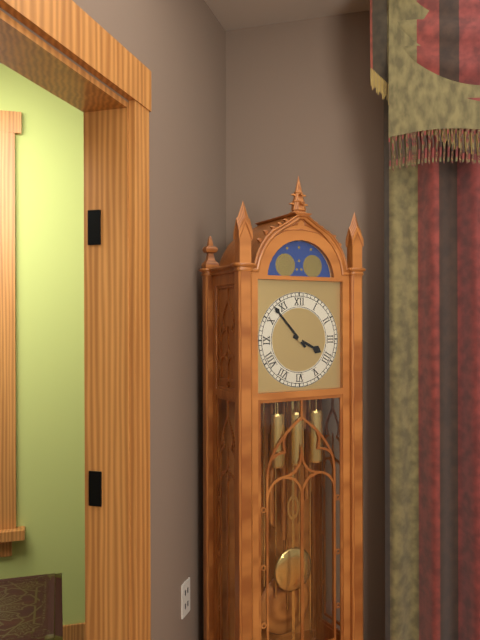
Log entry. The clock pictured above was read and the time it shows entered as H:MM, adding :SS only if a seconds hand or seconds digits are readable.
3:53
